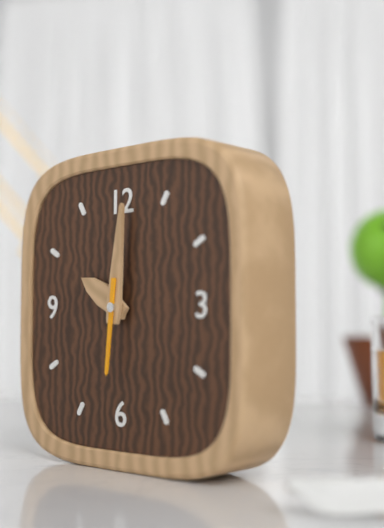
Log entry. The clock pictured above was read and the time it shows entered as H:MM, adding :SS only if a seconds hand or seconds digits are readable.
10:01:31
